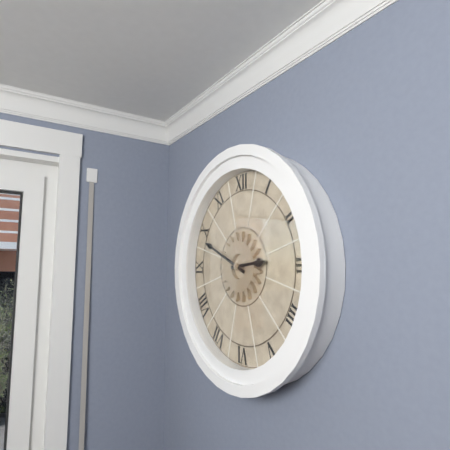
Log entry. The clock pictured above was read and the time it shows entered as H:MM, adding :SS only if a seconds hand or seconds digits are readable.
2:49
